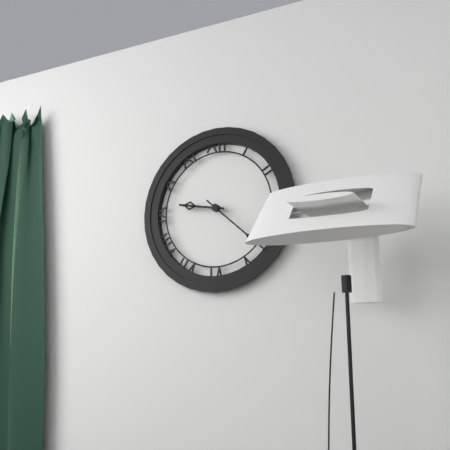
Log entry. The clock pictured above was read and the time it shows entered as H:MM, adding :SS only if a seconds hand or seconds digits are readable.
9:22
